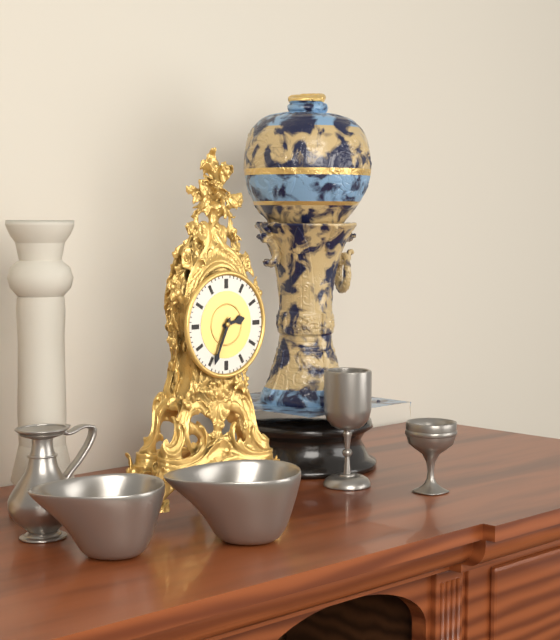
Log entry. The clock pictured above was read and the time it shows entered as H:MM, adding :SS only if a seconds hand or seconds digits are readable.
2:34
